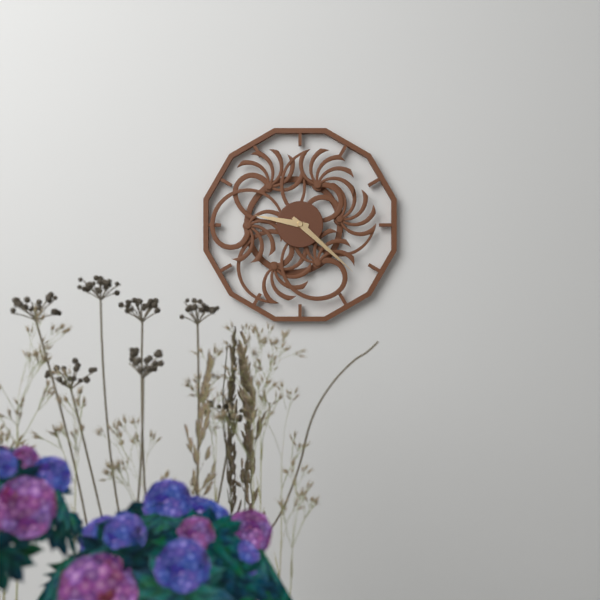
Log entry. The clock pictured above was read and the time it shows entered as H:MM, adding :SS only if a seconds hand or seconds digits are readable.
9:22
